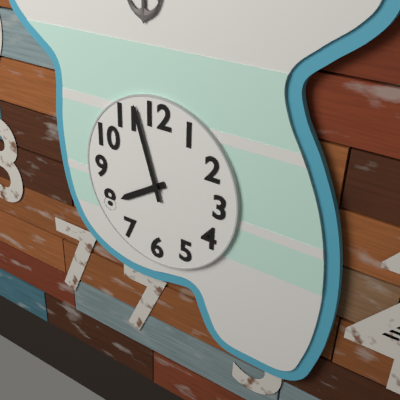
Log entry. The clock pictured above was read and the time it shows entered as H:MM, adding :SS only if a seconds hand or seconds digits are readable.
7:57
